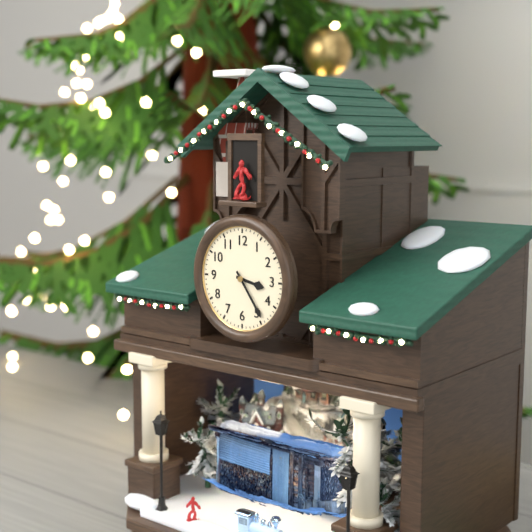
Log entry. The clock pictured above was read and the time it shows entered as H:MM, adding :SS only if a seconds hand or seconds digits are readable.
3:24
